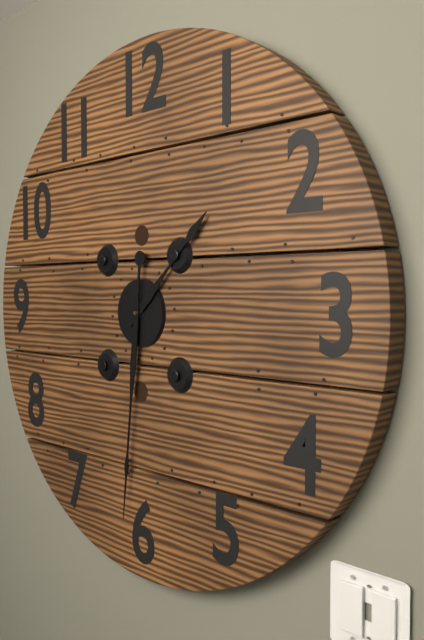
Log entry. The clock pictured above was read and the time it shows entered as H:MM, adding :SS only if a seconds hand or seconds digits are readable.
1:31
